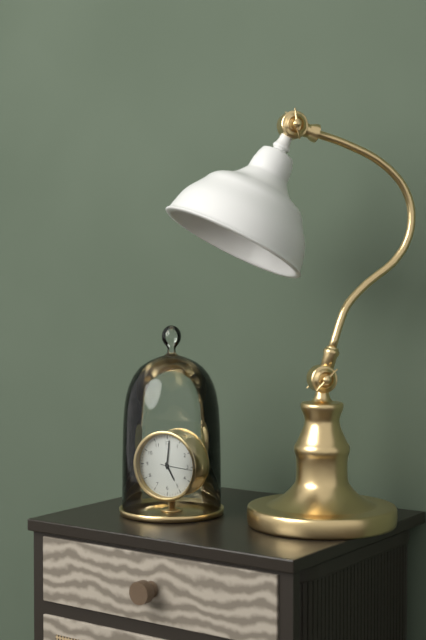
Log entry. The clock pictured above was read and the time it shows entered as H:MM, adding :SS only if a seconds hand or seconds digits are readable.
5:01
